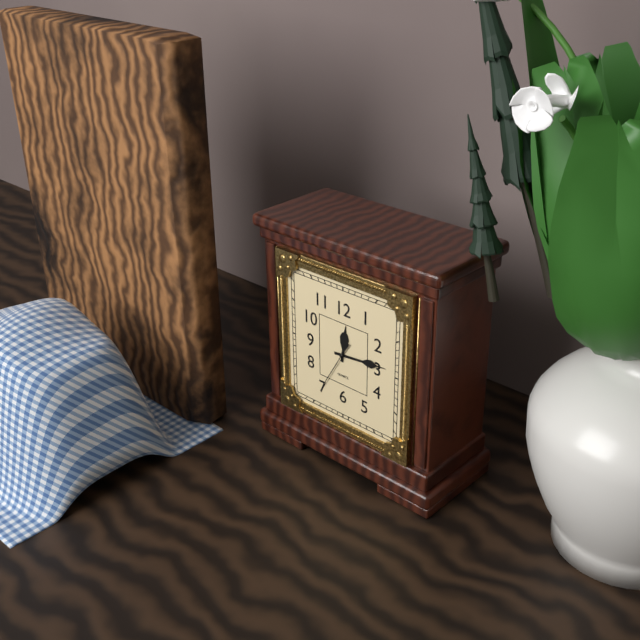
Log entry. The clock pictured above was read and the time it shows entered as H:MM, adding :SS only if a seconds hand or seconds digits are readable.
12:14
